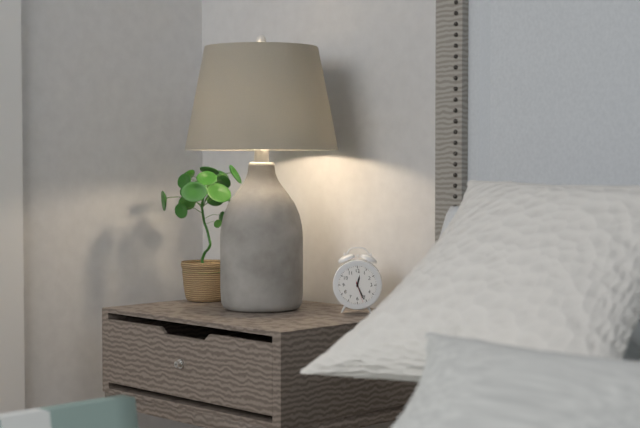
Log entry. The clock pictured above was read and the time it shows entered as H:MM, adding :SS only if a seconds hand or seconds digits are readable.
12:26
